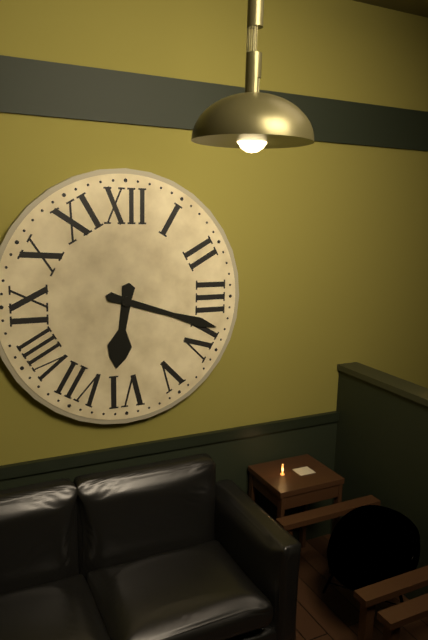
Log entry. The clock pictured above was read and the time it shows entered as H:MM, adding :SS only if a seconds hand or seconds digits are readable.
6:18
